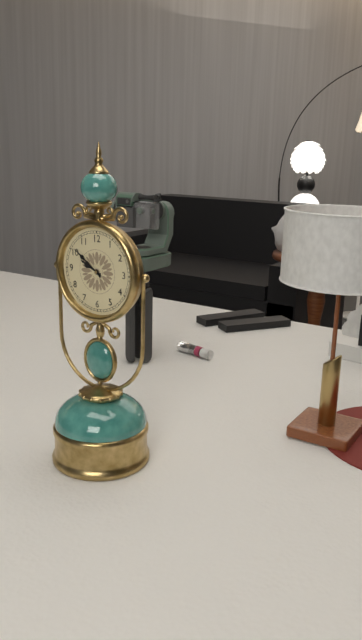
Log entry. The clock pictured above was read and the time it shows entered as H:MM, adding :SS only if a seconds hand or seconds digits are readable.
9:51
